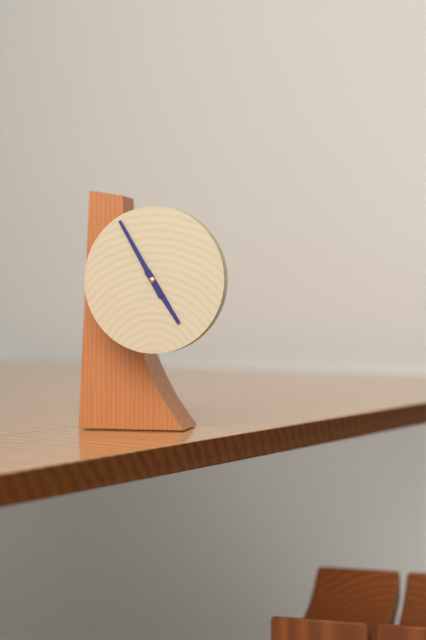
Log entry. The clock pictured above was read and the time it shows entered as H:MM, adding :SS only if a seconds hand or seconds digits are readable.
4:55
